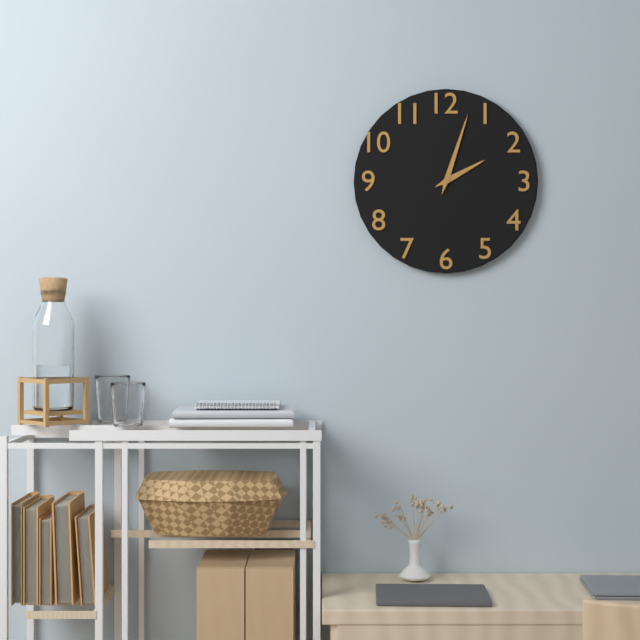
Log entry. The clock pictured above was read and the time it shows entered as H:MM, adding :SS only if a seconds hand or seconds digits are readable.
2:03
